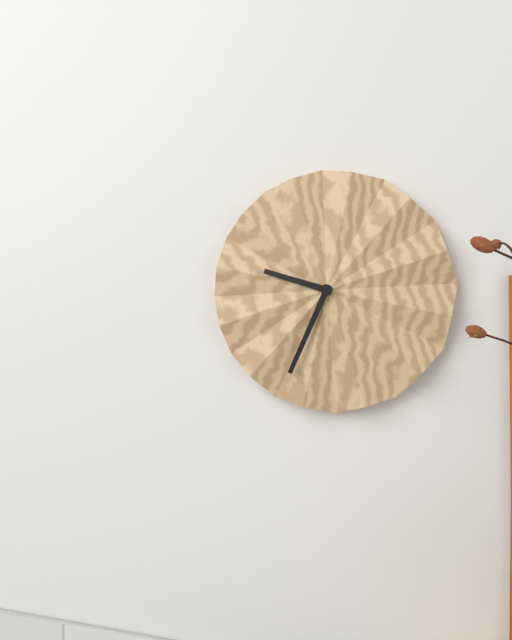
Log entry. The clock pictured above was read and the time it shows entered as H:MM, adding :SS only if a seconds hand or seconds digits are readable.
9:34
